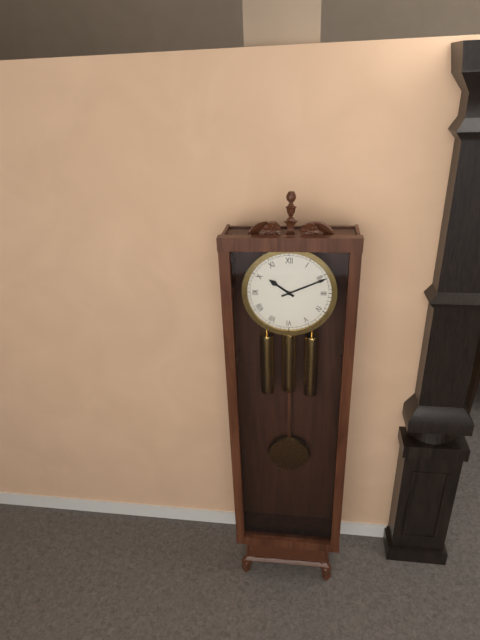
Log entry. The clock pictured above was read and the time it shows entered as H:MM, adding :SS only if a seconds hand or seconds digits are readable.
10:11
